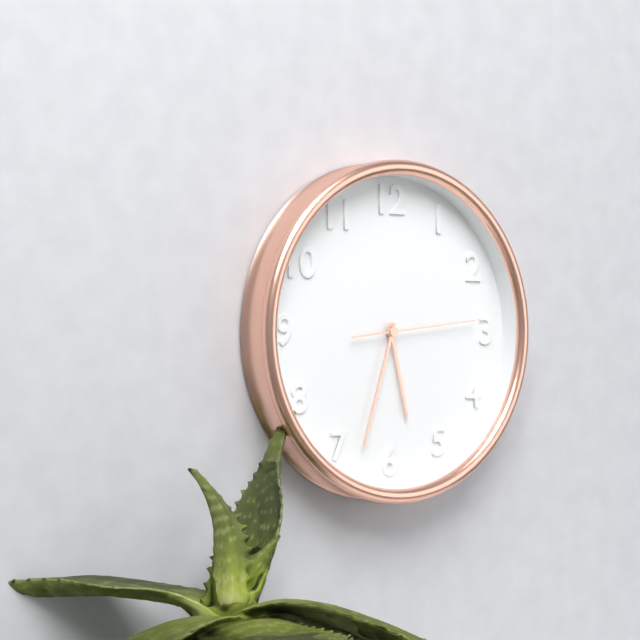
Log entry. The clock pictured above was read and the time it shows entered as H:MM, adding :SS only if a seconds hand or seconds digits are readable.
5:33:14
